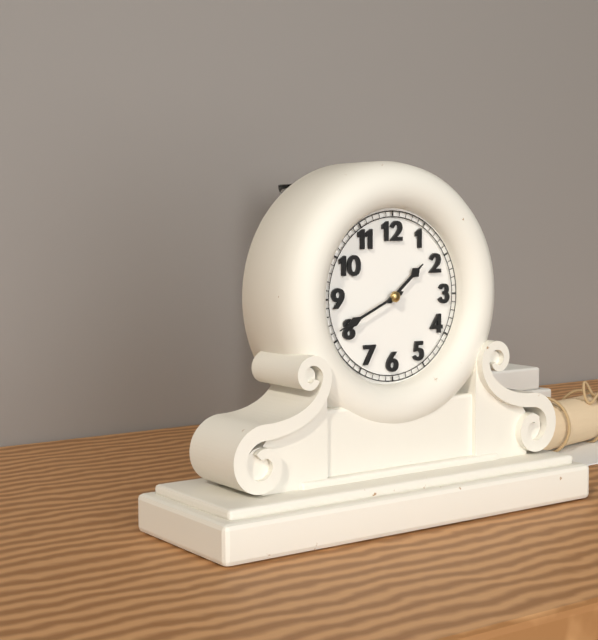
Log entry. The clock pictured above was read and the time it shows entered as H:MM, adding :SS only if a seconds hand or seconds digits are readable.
1:41
